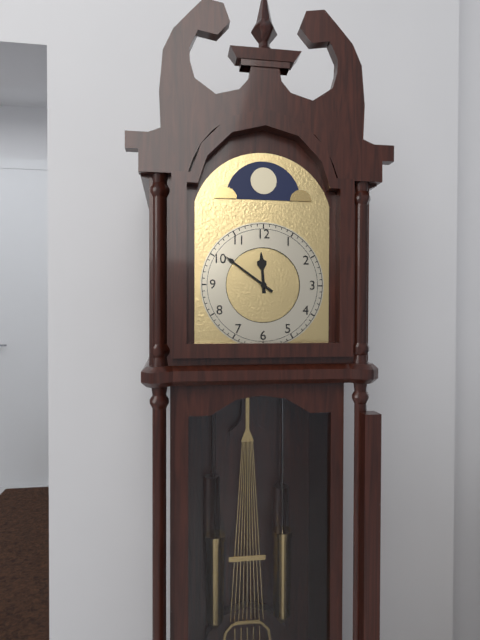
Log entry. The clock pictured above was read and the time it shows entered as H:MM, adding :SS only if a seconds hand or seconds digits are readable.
11:51
